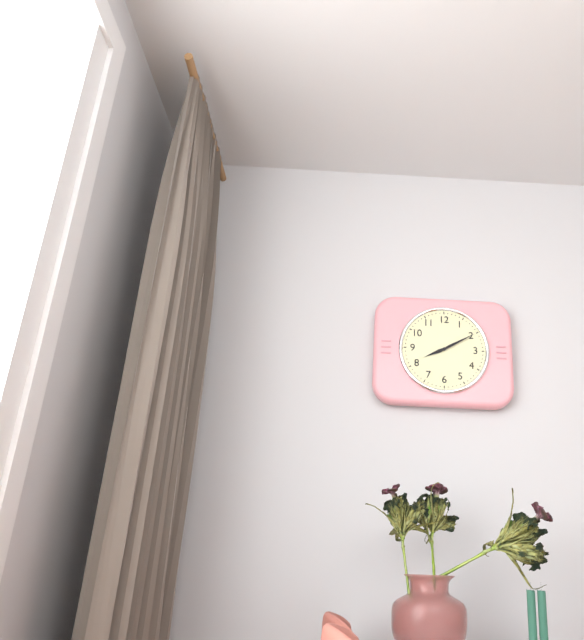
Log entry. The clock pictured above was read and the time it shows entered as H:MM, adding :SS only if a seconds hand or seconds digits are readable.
8:10
